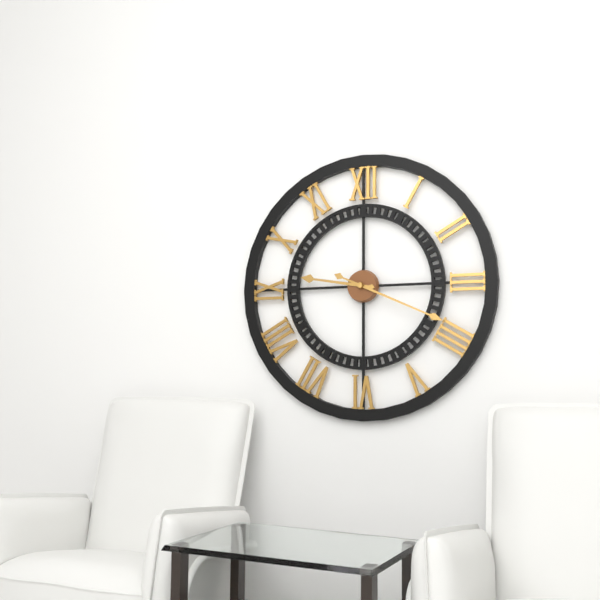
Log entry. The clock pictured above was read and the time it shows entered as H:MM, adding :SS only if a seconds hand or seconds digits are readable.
9:19
